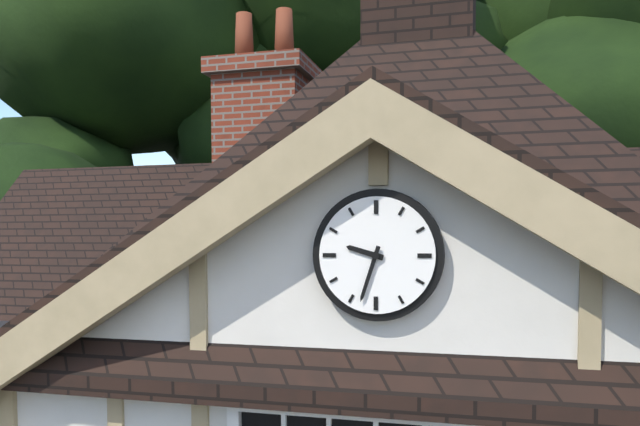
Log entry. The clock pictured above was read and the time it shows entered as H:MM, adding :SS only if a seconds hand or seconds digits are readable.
9:33
